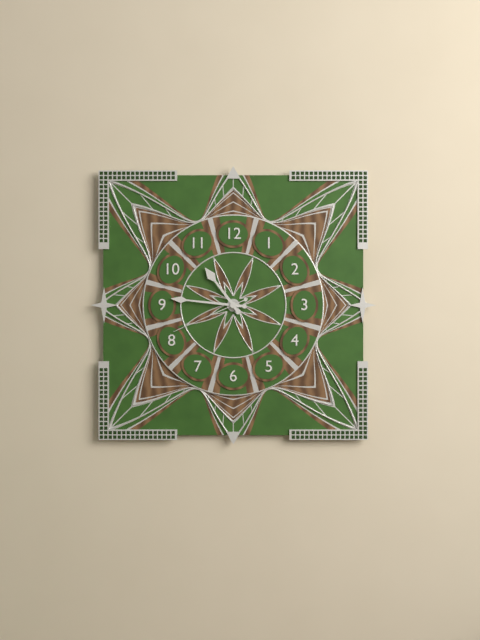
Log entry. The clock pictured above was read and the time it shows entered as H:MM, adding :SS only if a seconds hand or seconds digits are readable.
10:46:41
